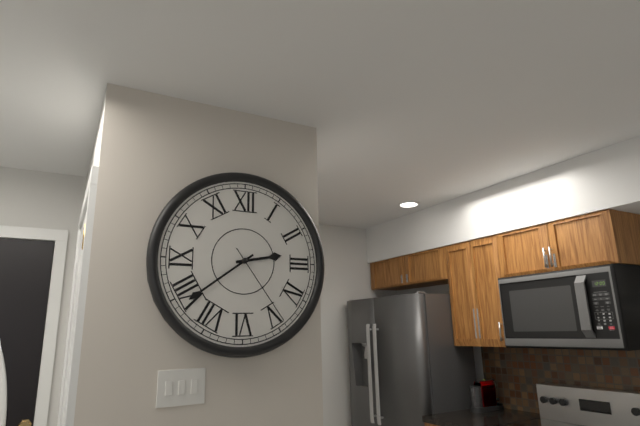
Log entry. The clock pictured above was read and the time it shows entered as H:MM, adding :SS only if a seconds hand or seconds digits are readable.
2:39:24
